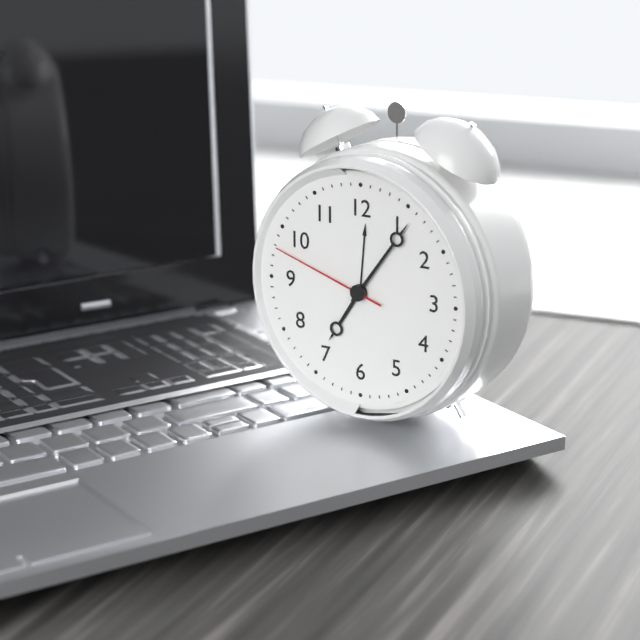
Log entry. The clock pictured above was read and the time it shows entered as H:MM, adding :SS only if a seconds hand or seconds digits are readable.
7:06:48
